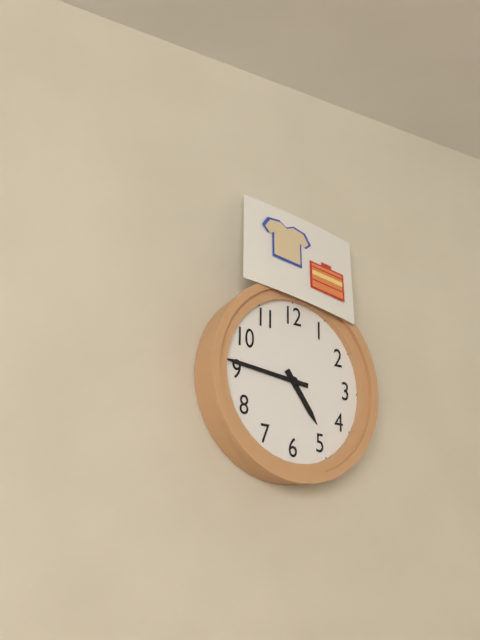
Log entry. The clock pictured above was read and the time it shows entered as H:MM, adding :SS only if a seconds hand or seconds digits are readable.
4:46
